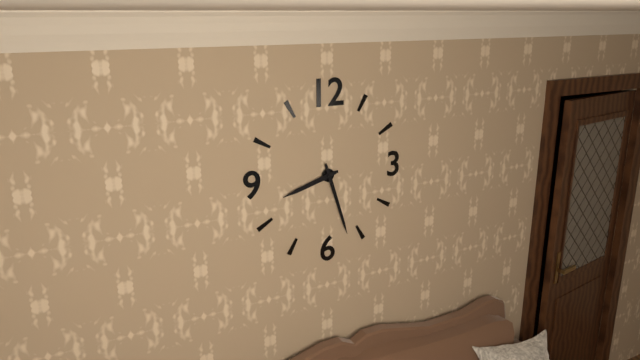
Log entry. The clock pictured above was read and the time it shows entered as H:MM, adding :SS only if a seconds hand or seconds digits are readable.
8:27
